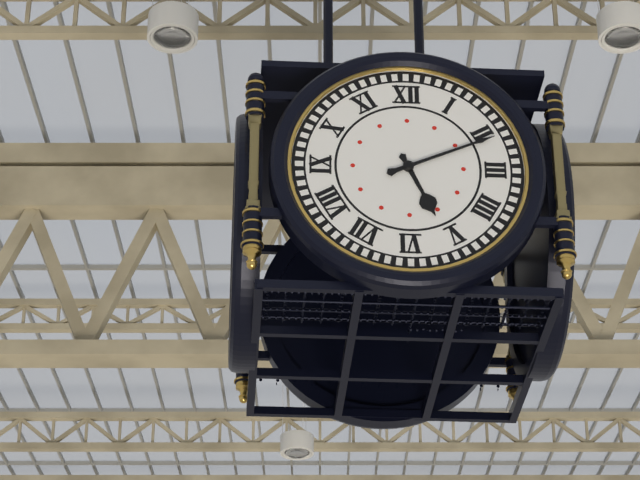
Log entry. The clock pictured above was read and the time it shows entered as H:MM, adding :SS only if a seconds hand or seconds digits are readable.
5:11
